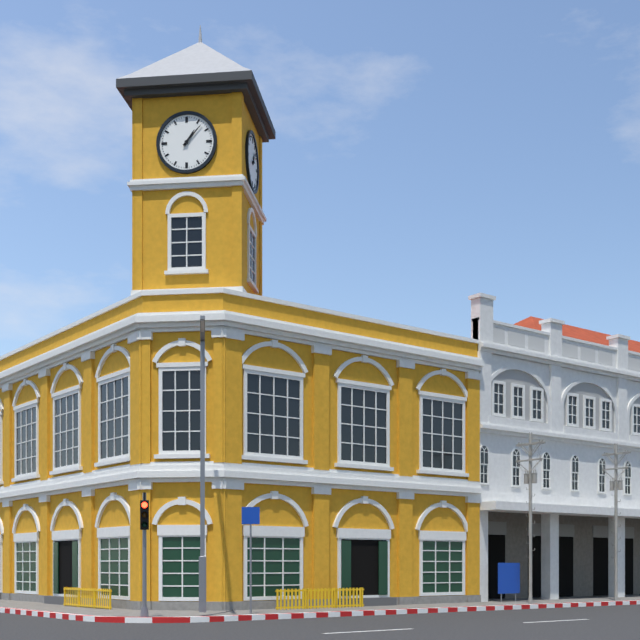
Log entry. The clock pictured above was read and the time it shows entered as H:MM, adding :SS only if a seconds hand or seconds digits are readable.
1:07
